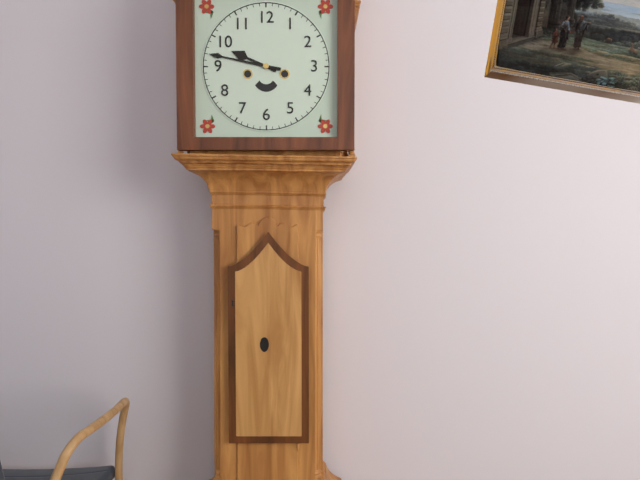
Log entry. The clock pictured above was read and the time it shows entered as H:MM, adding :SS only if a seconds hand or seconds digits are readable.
9:47
